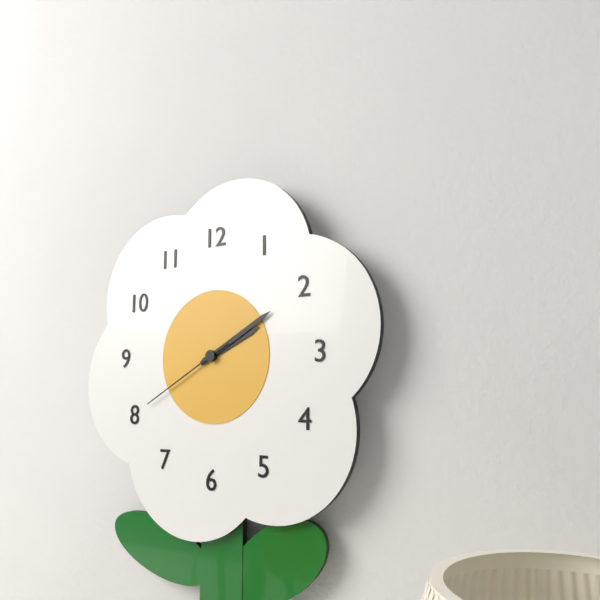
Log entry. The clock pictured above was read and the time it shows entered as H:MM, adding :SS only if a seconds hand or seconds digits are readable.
2:10:40
